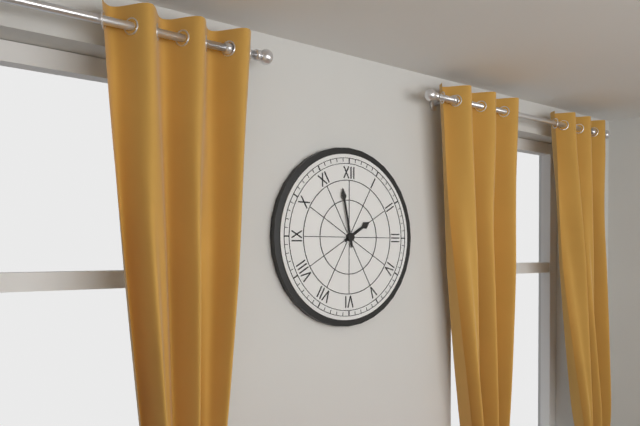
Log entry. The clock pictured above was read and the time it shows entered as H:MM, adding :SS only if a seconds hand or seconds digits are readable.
1:58
